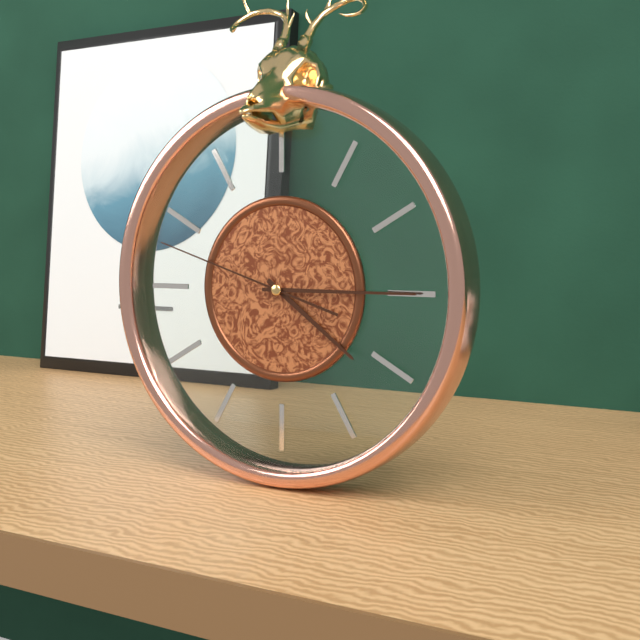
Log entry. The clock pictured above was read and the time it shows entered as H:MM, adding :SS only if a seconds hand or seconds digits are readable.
4:15:48
